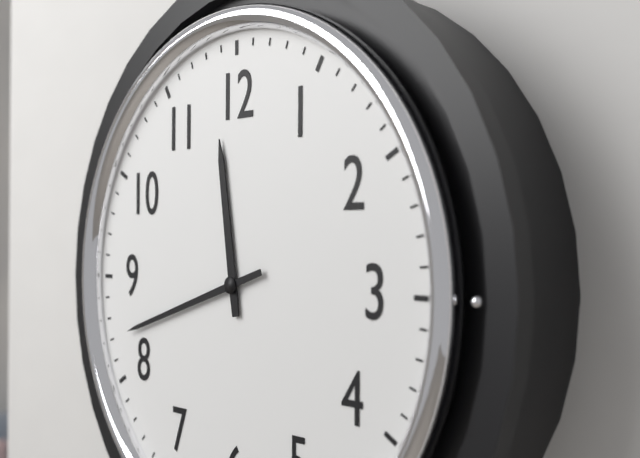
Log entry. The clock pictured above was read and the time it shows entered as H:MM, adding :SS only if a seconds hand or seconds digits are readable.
11:42
